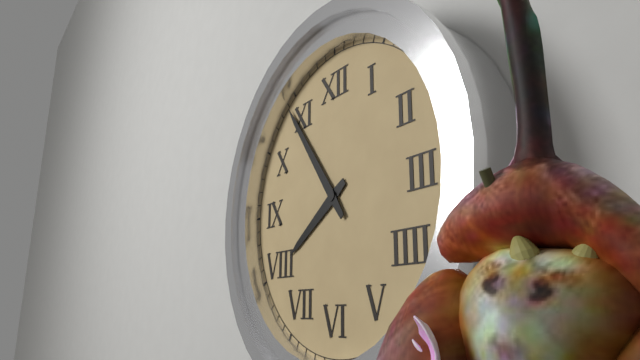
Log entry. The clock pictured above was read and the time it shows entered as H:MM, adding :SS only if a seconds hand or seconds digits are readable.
7:54
